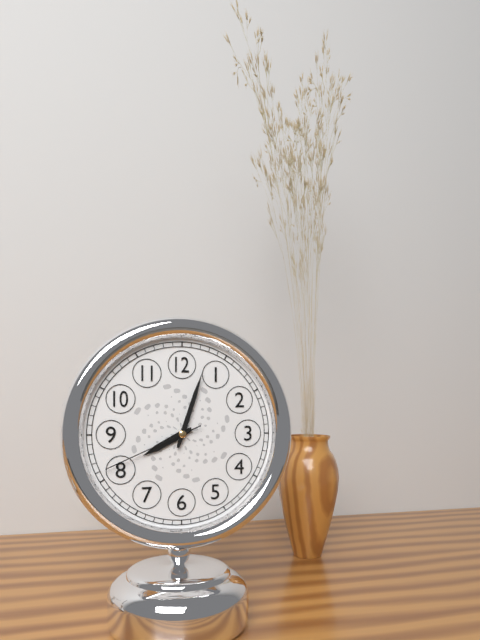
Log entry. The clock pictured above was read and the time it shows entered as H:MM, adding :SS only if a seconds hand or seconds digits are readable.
8:03:41
